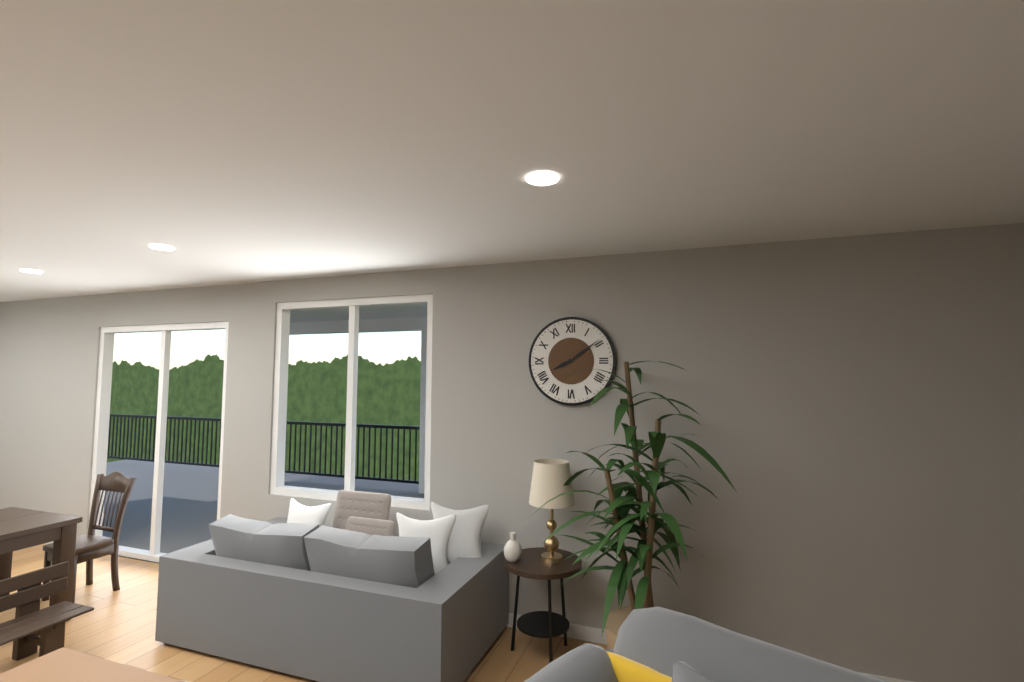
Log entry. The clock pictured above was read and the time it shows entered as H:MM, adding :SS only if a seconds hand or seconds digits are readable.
8:09
